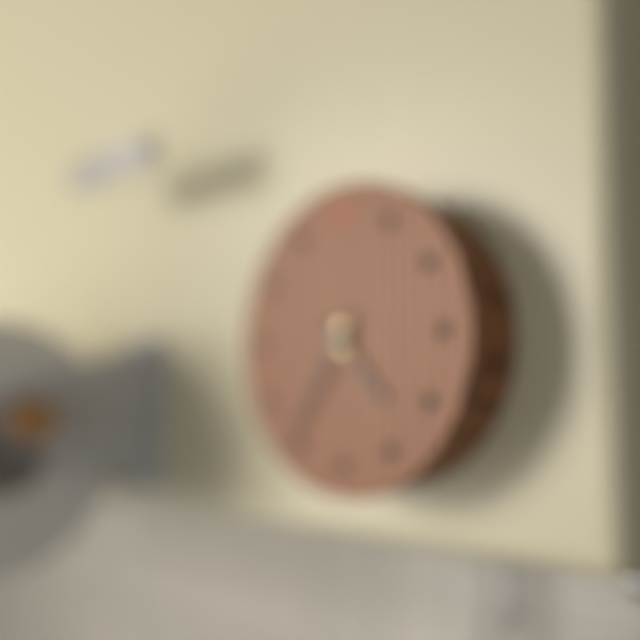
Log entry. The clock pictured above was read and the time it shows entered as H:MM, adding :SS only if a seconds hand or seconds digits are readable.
4:36
